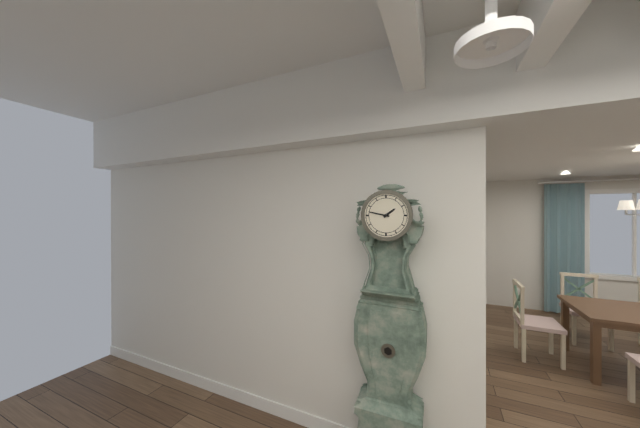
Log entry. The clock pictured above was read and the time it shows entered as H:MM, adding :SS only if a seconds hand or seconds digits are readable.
1:47
